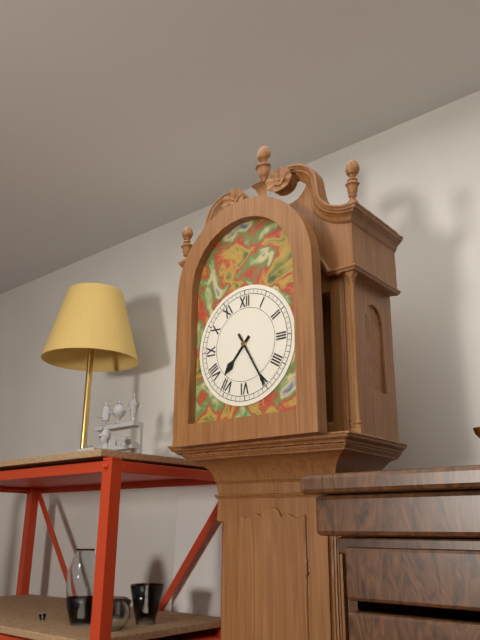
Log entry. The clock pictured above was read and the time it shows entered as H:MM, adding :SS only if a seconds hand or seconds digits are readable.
7:25
